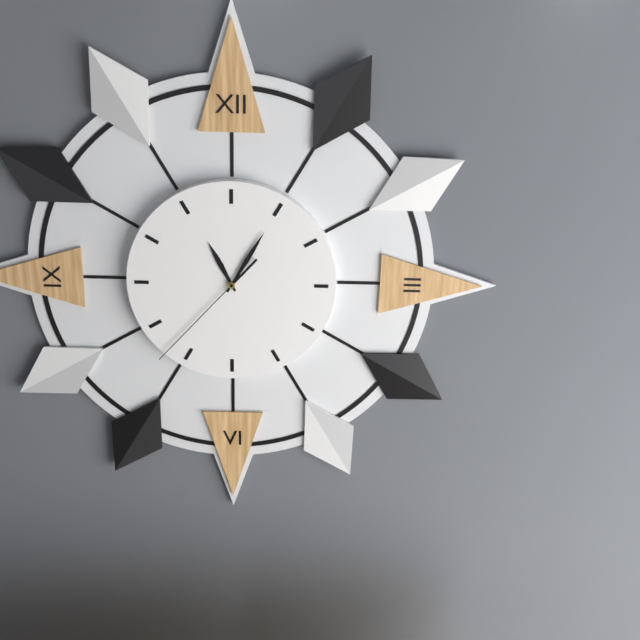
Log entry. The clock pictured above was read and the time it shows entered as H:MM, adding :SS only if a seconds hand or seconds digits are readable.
11:05:37
